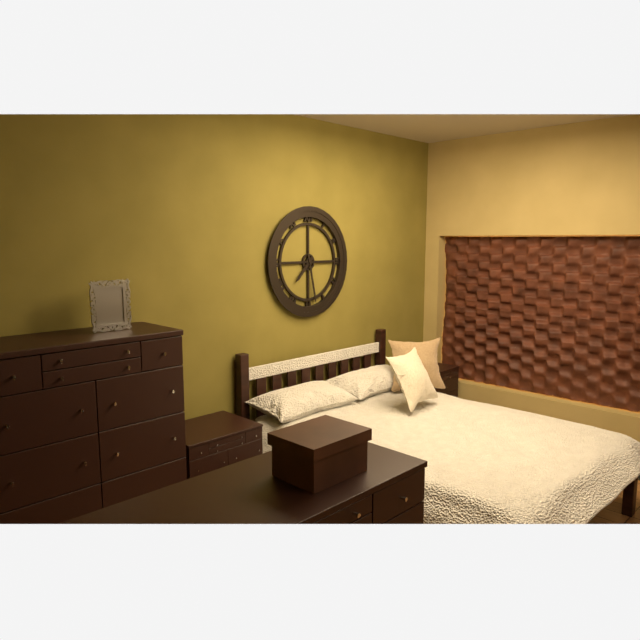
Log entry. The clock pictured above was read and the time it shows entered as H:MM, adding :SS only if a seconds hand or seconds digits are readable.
7:28
